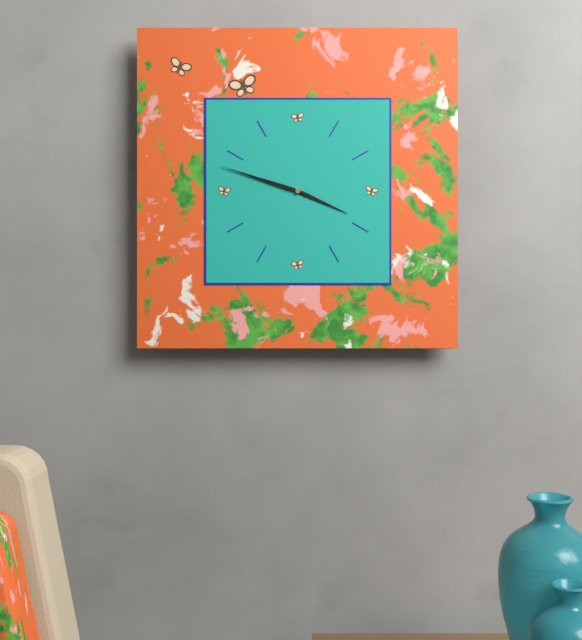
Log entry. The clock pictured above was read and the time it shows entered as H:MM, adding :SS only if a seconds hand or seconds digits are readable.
3:48
